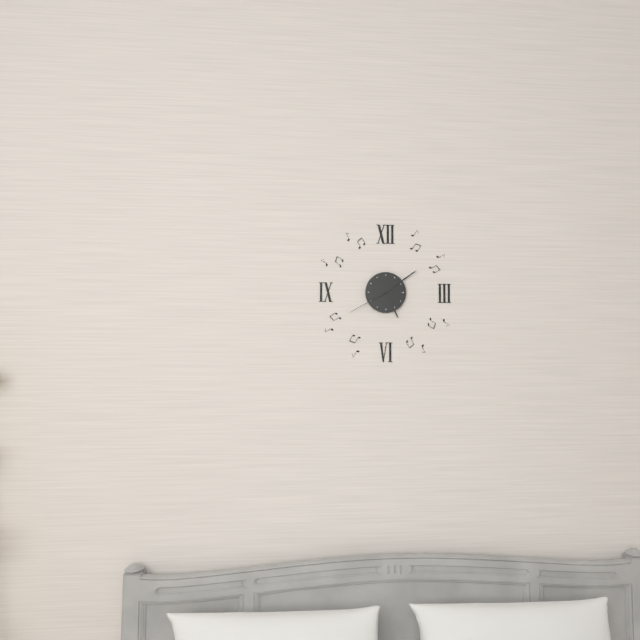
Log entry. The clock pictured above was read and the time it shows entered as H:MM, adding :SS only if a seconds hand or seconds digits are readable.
5:09:40
